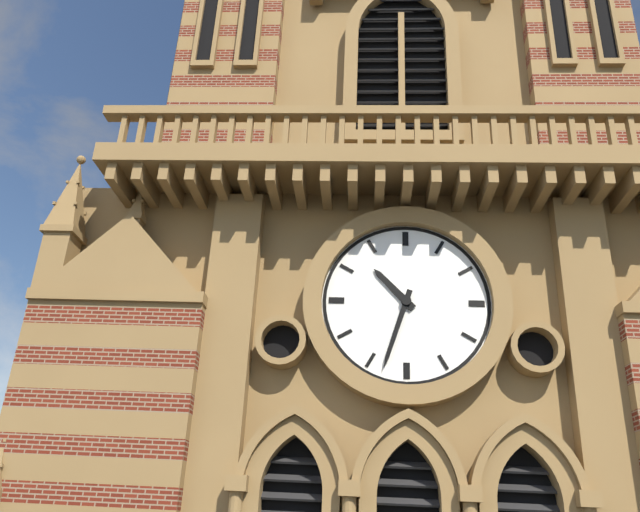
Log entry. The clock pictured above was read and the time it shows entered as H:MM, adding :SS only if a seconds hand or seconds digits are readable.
10:33
